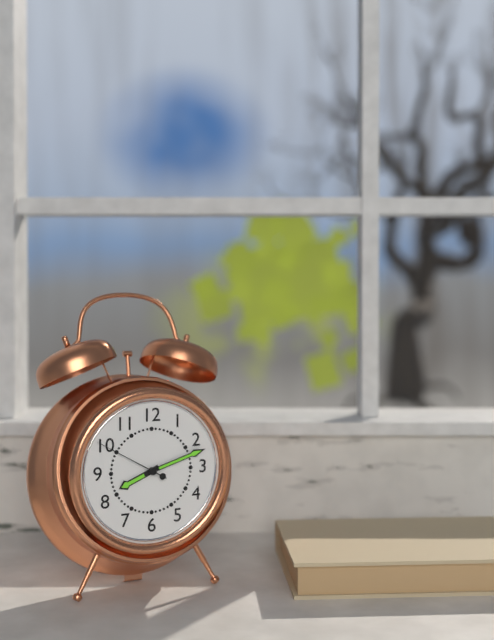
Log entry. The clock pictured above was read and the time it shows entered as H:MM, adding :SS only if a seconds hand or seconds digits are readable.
8:12:50
